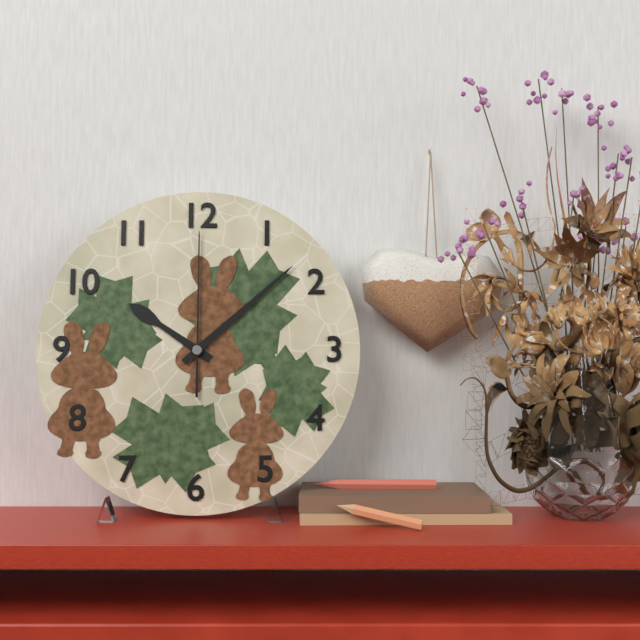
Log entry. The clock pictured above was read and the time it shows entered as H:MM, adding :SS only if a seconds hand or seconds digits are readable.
10:08:00
